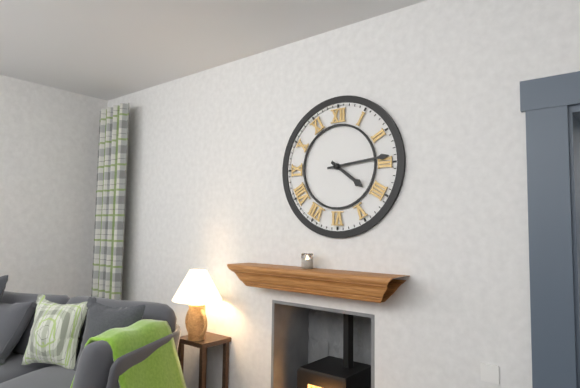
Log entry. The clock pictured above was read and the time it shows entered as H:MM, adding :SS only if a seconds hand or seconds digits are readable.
4:14
